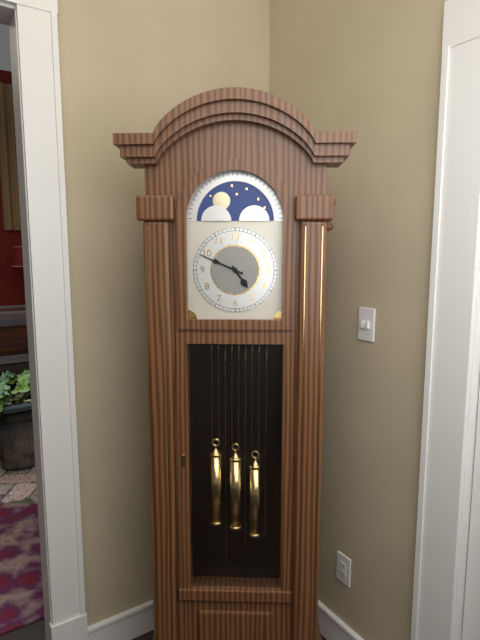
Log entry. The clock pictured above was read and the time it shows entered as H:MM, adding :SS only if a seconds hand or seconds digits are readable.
4:49
